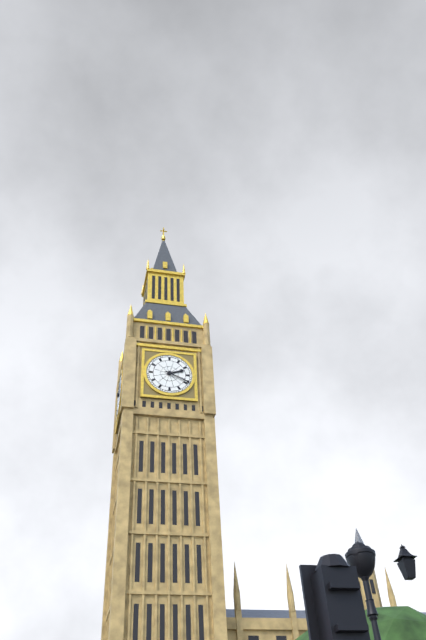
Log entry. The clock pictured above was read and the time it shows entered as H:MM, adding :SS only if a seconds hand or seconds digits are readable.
2:19
